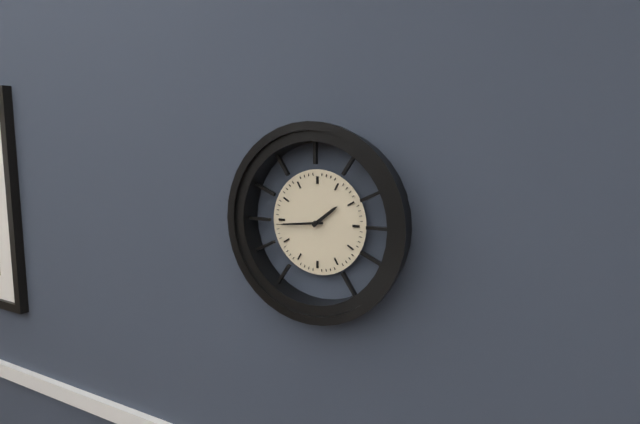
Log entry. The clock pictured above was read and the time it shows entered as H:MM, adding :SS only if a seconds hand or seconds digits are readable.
1:44
